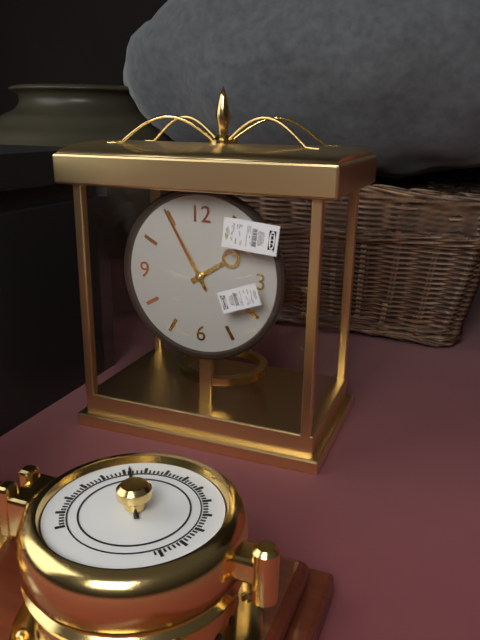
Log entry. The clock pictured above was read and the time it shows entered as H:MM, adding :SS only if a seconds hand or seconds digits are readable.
1:55
